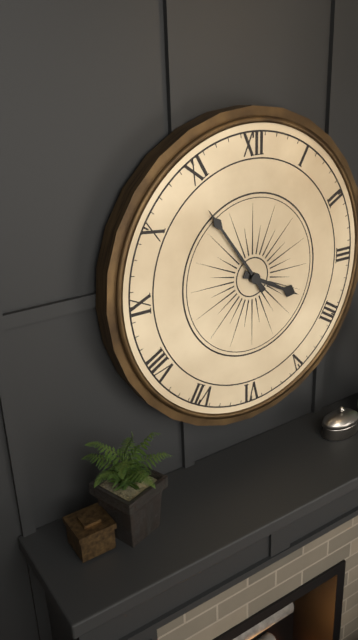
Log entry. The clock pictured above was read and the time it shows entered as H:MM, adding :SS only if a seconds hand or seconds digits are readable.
3:54
